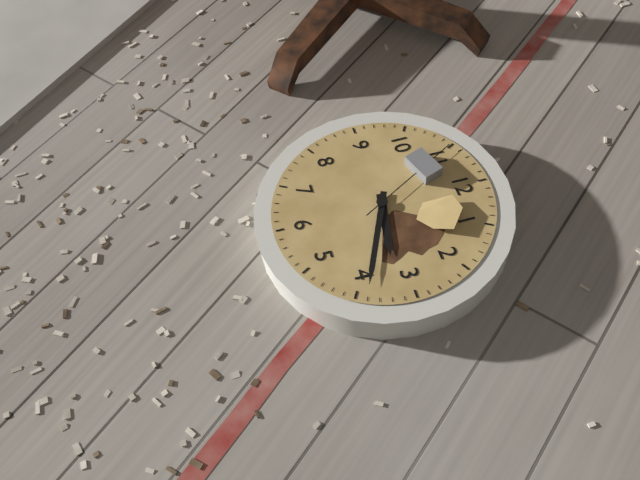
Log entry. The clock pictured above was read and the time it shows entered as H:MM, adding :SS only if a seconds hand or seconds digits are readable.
3:19:55
